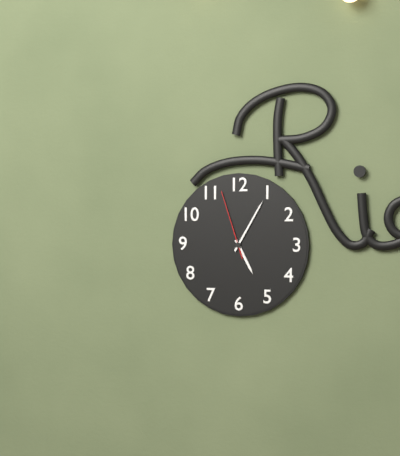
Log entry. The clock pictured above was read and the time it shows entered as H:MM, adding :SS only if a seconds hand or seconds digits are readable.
5:05:57
